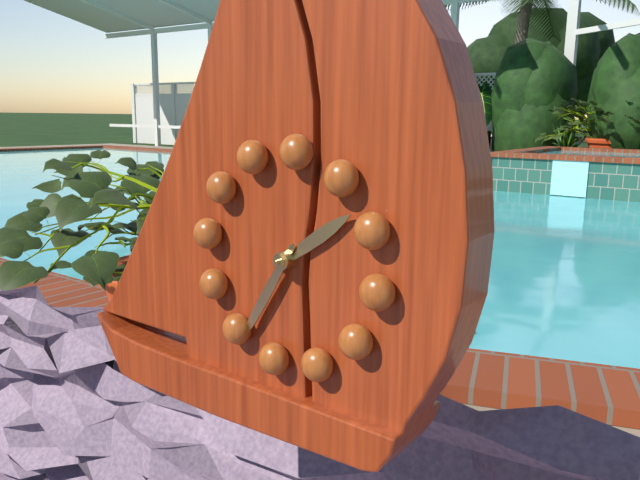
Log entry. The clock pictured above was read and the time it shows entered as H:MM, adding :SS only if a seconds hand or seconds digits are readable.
1:34
